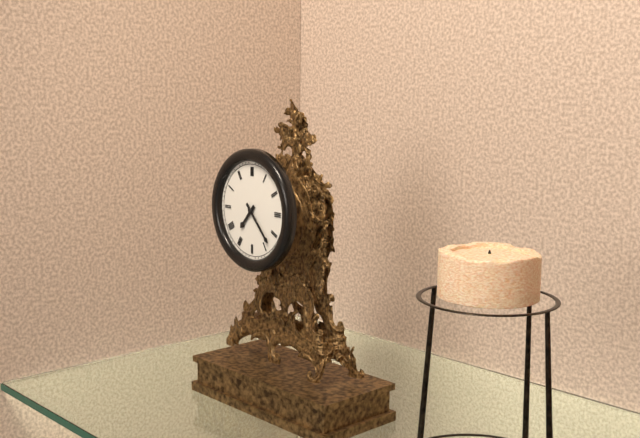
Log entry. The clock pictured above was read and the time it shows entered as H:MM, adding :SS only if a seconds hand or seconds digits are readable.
7:23
